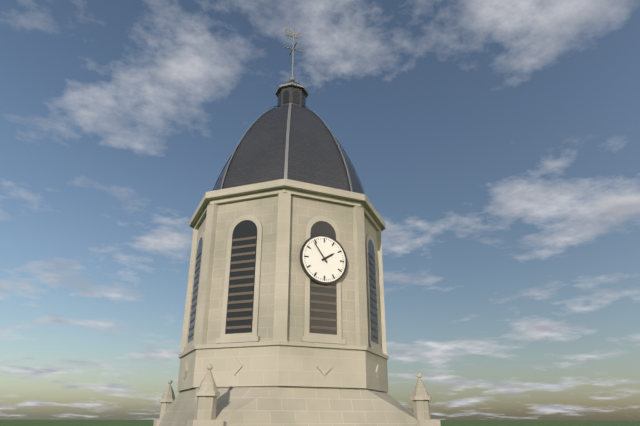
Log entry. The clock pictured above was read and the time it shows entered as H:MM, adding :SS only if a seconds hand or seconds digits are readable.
1:54
